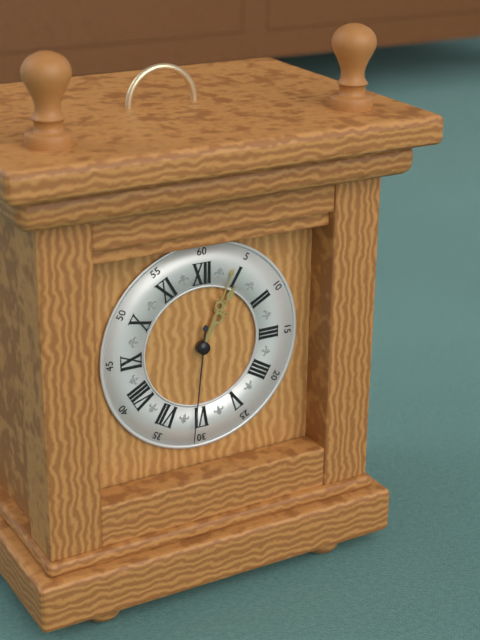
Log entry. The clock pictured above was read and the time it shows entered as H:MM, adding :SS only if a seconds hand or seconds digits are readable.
1:04:31
